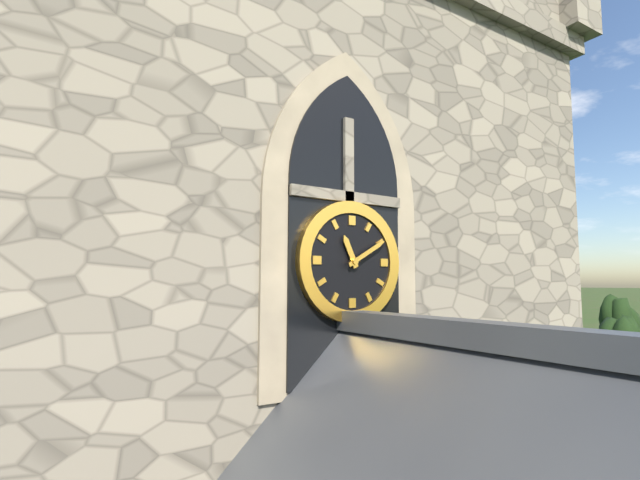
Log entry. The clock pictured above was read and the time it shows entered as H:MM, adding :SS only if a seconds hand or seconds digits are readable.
11:10
